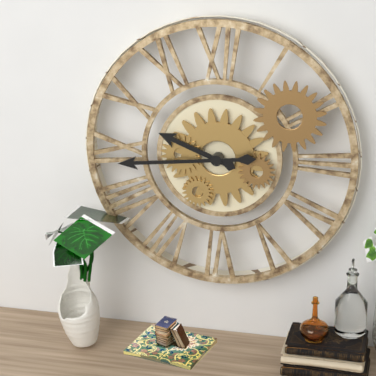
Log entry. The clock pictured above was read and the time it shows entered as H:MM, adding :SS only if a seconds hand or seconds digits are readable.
9:44
